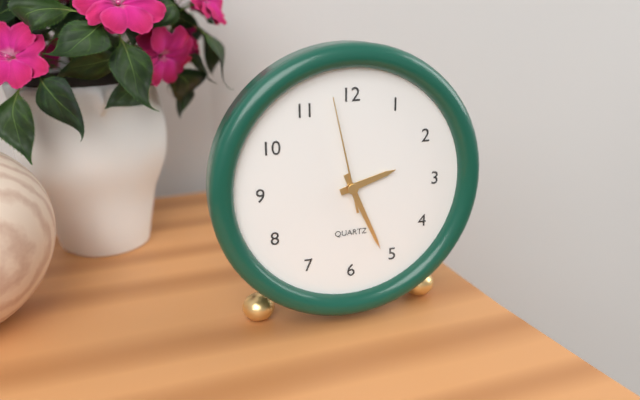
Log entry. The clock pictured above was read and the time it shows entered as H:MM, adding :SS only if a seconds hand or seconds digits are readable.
2:26:58
